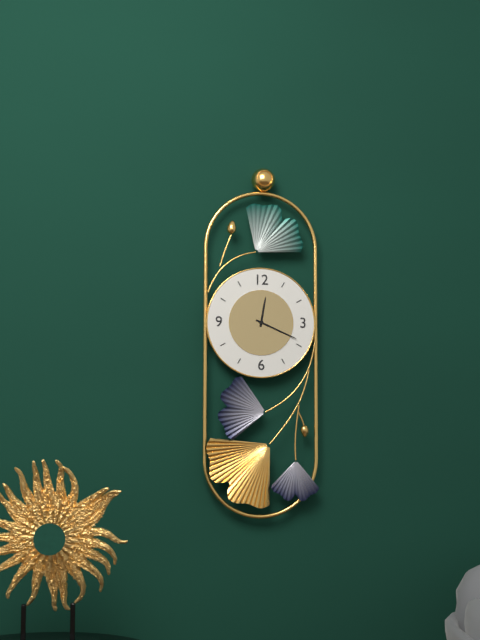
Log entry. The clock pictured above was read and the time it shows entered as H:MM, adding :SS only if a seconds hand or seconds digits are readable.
12:19
